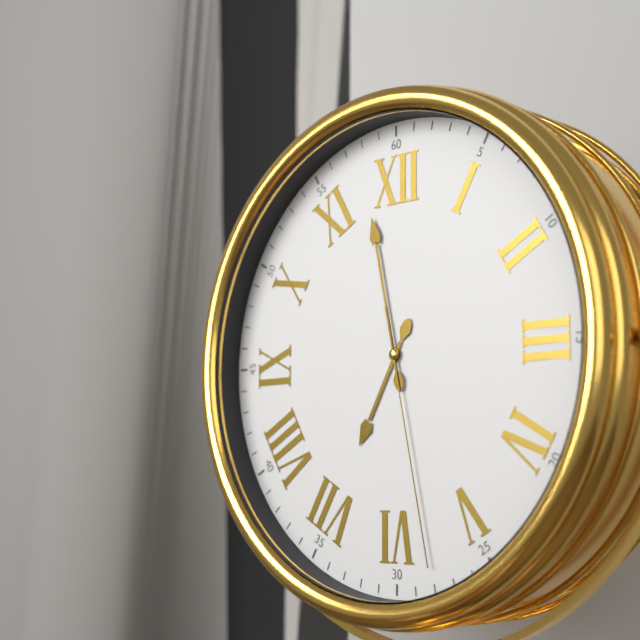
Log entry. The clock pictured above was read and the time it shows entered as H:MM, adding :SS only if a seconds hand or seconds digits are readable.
6:58:28
